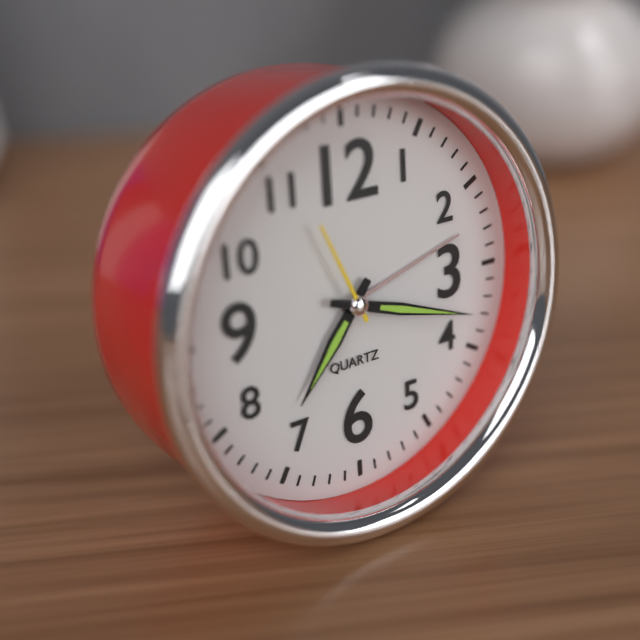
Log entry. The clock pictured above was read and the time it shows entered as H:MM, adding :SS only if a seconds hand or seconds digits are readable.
7:18:56
